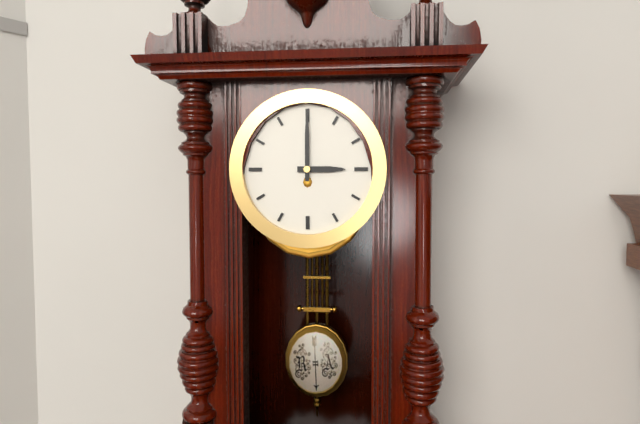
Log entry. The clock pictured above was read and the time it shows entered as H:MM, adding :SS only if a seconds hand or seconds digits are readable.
3:00
